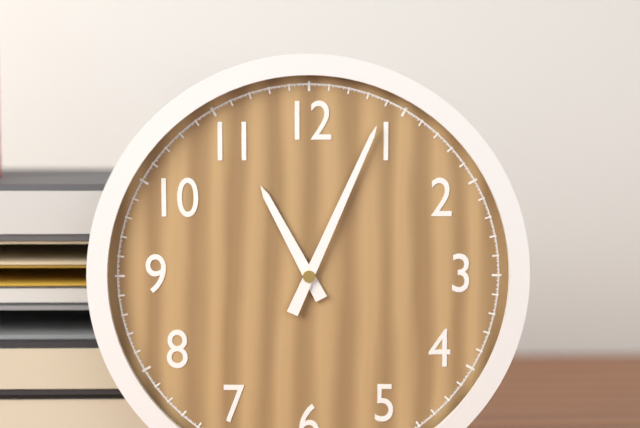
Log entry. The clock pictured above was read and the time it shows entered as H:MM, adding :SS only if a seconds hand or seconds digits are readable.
11:04
